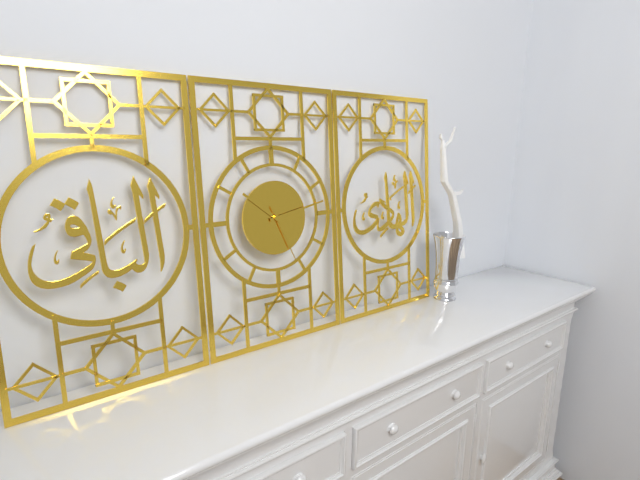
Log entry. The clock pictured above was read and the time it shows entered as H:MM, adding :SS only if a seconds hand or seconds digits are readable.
10:13:26
